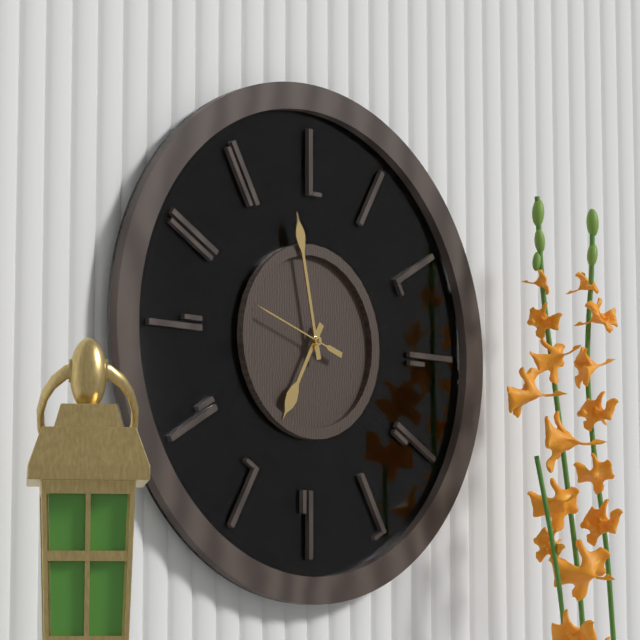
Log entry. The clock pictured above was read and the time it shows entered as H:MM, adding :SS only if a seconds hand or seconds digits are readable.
6:58:48
